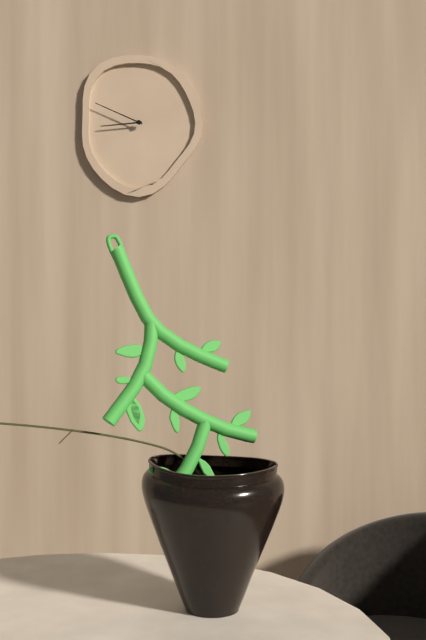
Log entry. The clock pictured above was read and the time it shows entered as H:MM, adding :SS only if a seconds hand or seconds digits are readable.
8:49
